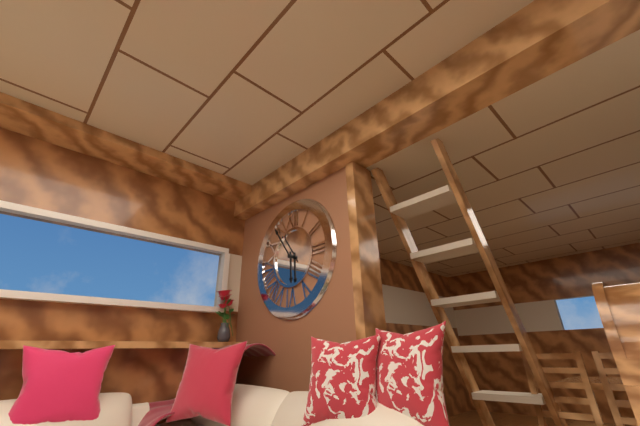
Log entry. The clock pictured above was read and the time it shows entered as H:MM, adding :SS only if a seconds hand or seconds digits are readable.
5:54
